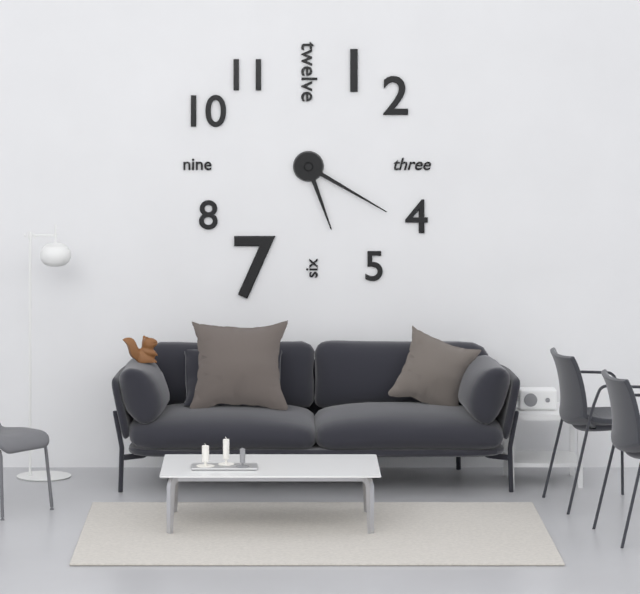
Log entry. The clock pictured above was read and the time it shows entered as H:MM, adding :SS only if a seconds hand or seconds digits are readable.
5:20
